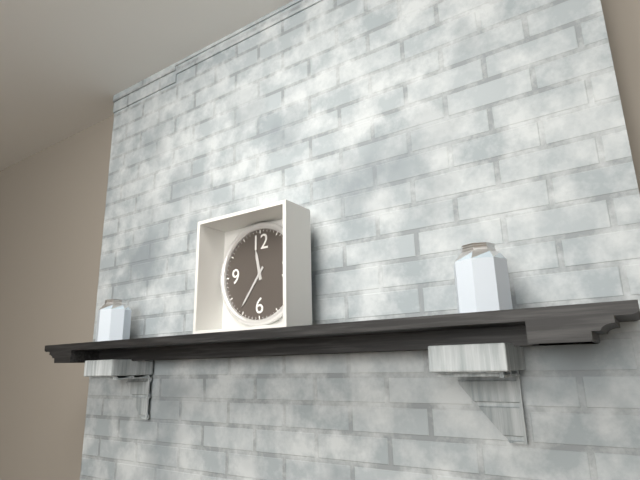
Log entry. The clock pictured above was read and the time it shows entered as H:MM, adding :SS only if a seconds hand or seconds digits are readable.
11:36
